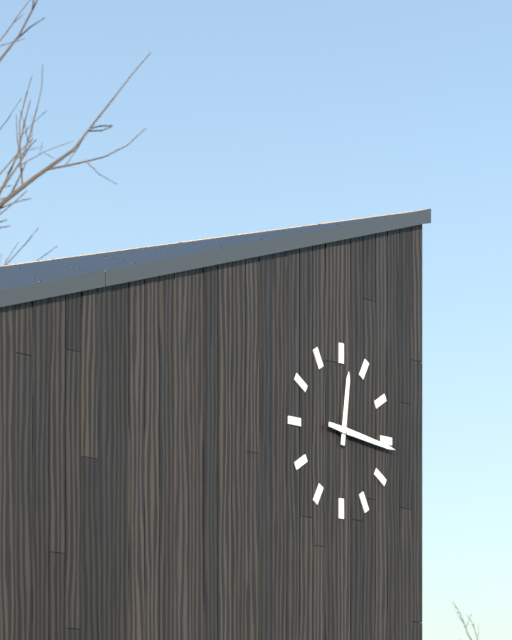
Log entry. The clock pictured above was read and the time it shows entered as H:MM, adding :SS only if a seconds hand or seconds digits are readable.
12:16
